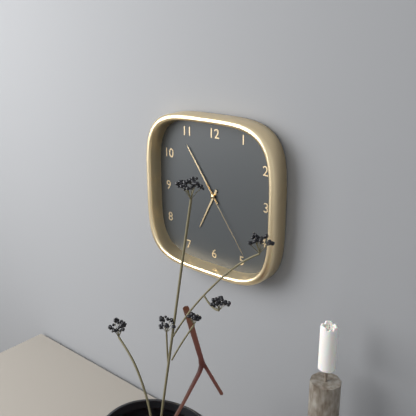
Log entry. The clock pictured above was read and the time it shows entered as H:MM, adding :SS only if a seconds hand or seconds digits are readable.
6:54:24
